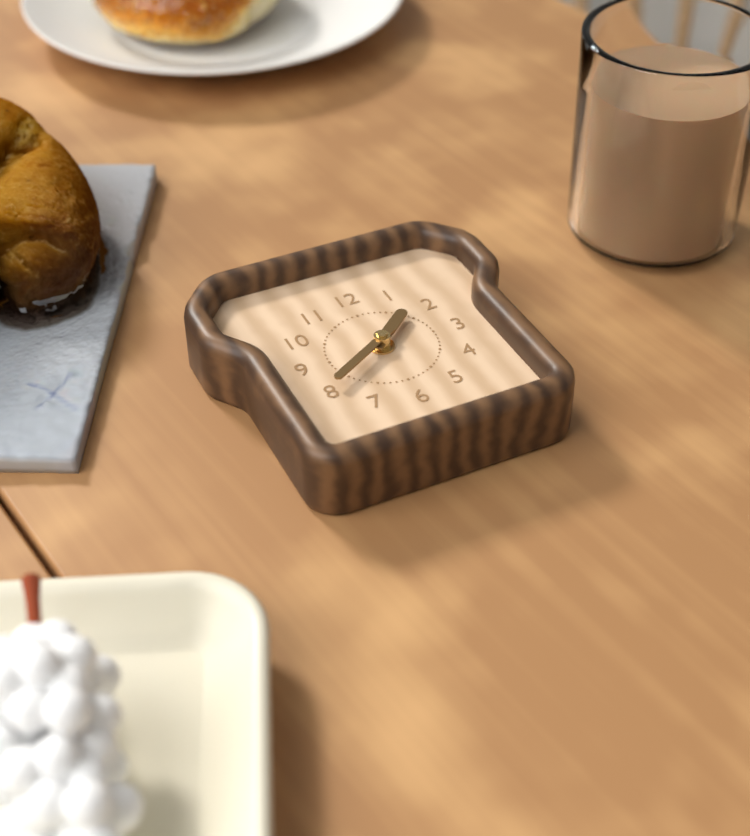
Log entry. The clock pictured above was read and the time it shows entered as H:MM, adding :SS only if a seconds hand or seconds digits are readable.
1:40
